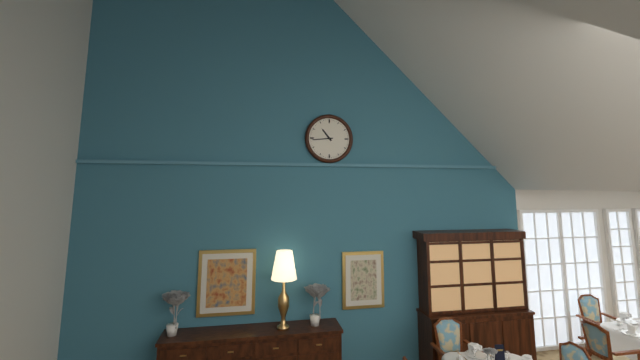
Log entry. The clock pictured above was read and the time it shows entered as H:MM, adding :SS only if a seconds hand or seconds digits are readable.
10:44
